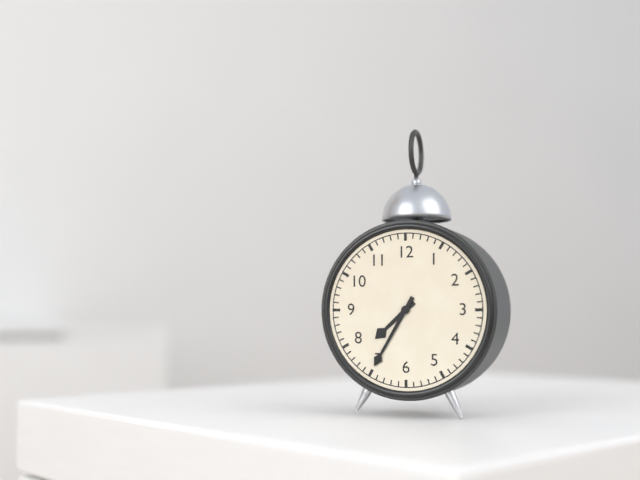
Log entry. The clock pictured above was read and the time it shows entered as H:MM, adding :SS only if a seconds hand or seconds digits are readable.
7:35
